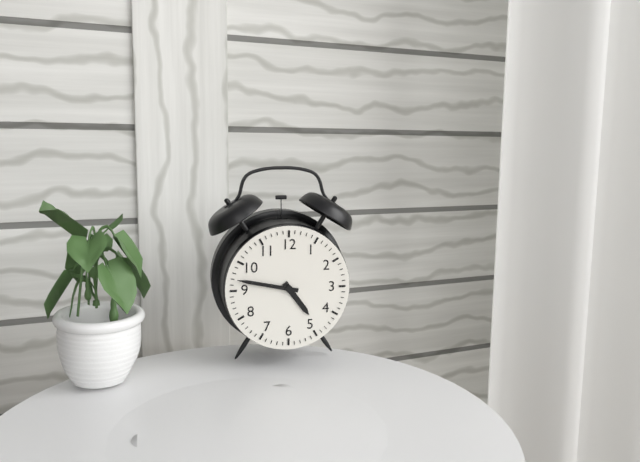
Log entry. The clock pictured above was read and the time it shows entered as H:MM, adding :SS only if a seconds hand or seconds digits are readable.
4:47
